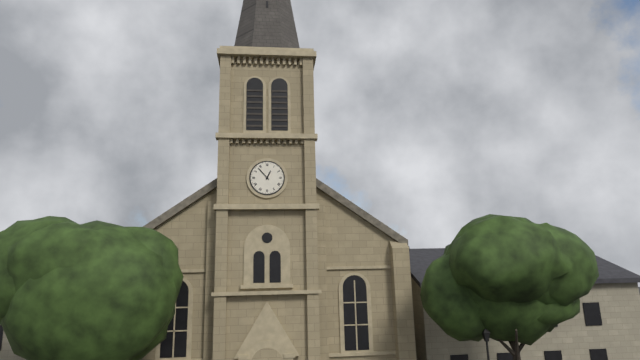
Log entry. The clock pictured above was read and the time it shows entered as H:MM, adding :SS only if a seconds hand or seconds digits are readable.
12:53
